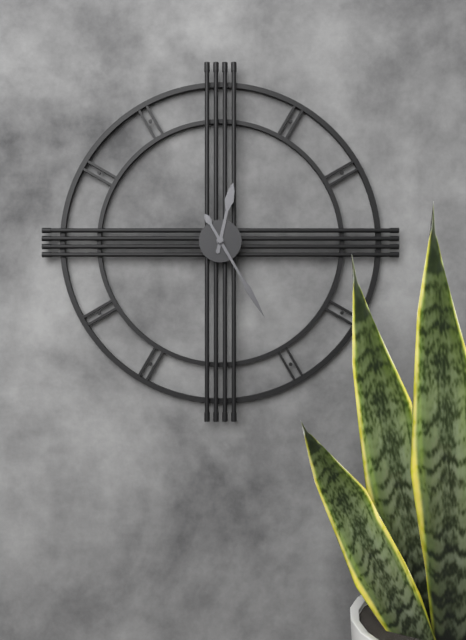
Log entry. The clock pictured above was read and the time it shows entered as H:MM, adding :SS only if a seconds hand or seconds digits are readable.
12:25
